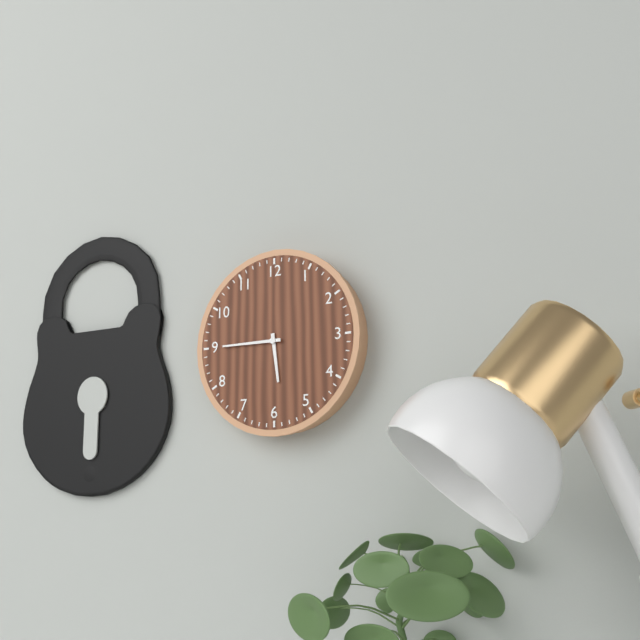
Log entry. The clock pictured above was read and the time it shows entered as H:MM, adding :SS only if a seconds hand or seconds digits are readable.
5:45
